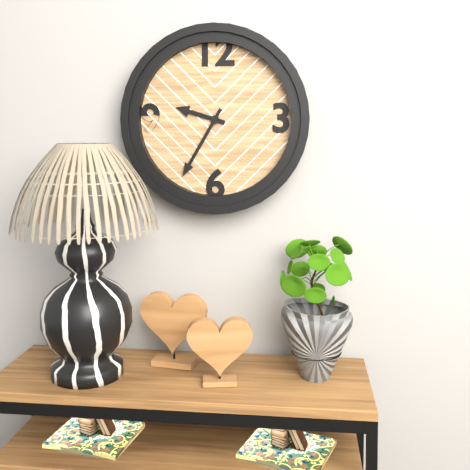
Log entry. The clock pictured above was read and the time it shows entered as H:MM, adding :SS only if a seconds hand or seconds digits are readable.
9:35
